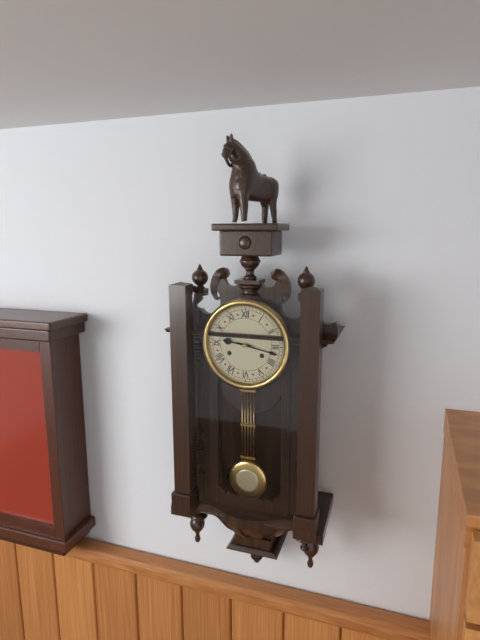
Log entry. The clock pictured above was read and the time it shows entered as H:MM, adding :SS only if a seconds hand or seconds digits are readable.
9:17
